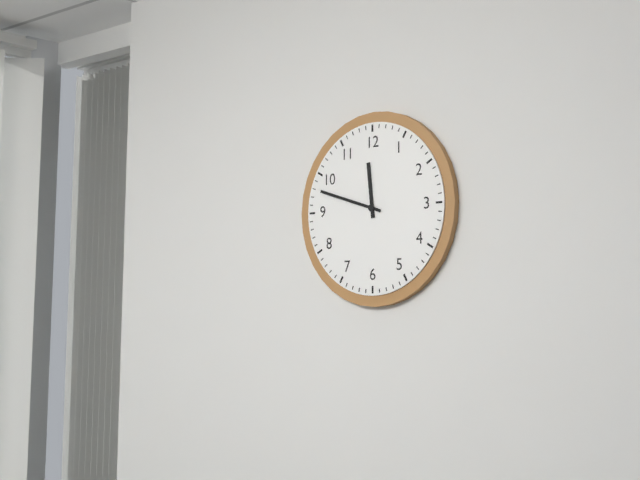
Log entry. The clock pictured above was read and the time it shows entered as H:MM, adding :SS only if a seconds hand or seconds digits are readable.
11:48
